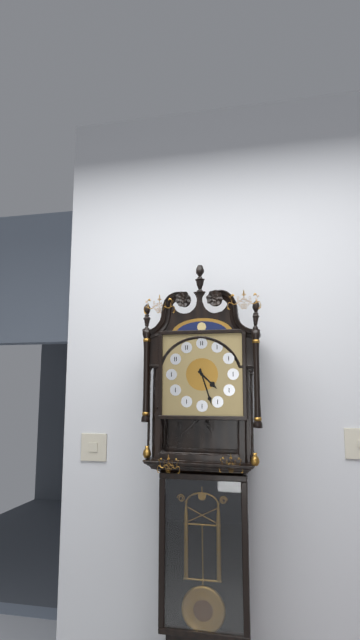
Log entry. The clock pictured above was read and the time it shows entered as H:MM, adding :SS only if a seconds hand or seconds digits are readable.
4:27
